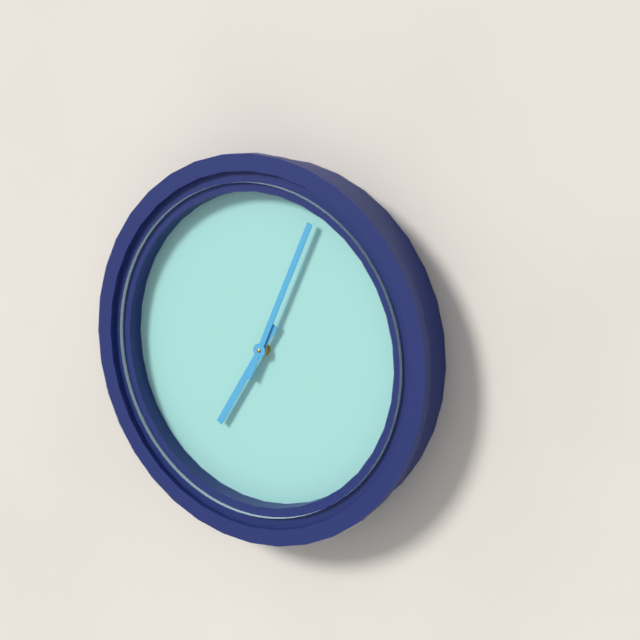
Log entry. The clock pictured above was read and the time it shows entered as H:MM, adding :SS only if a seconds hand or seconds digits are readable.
7:04
